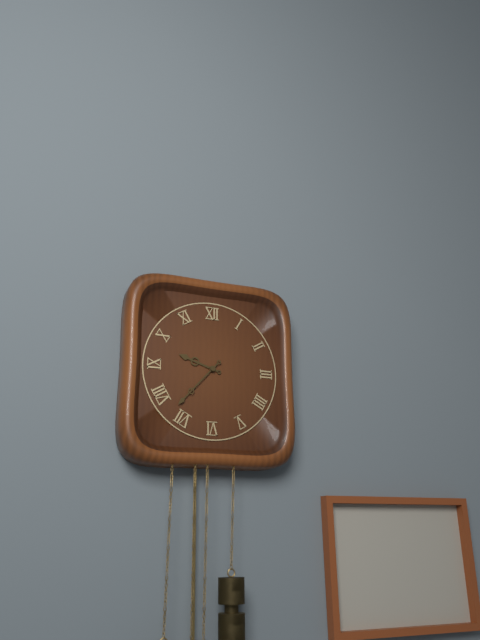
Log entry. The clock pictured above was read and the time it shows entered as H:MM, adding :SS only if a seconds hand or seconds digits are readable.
9:37
